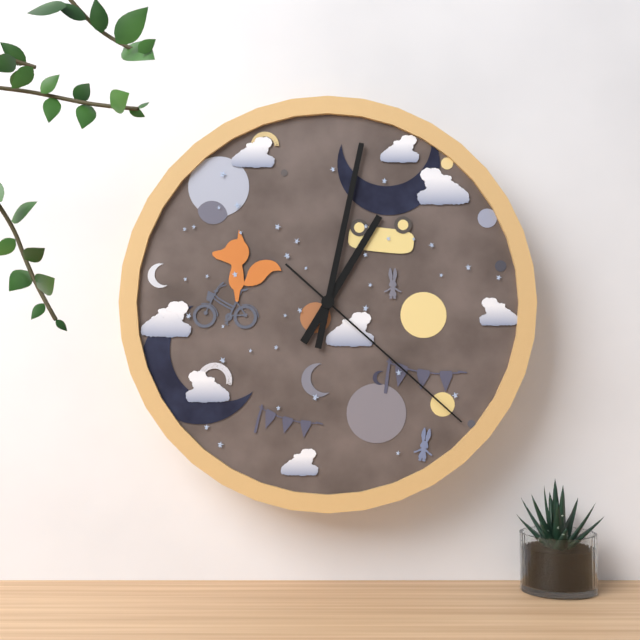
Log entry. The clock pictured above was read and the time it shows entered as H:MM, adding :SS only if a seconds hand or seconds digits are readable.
1:02:22
